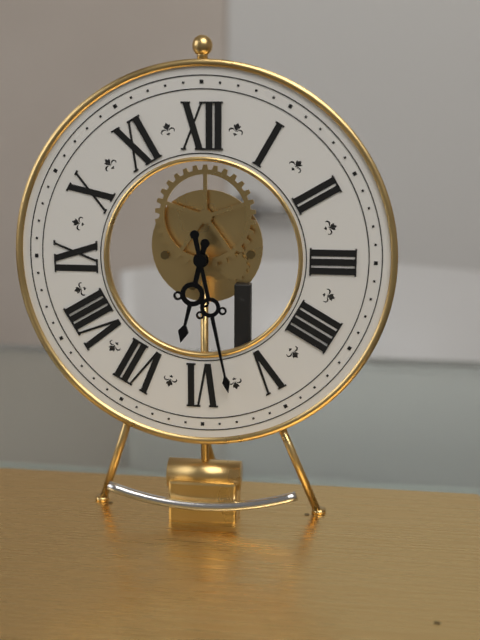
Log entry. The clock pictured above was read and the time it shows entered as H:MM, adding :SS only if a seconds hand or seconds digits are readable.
6:28
